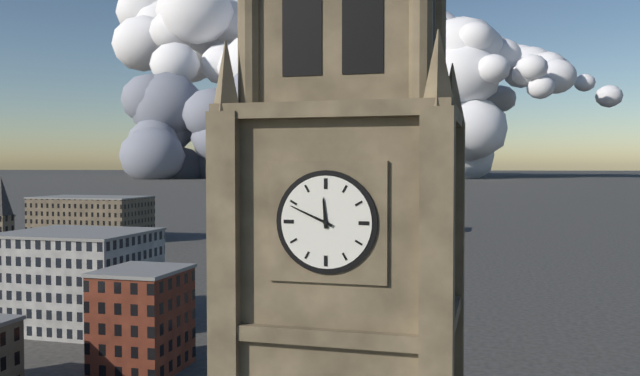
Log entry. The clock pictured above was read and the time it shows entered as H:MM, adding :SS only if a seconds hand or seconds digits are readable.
11:49
